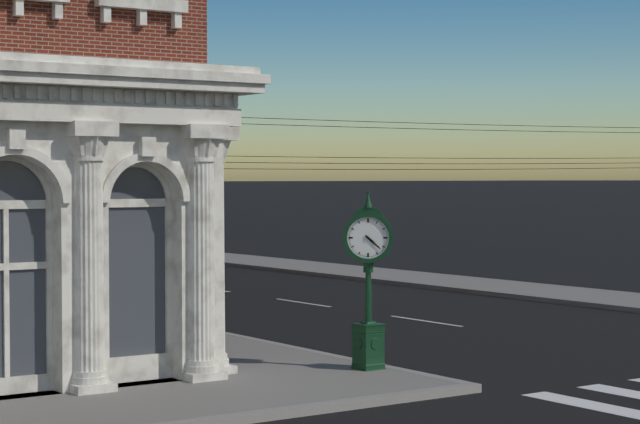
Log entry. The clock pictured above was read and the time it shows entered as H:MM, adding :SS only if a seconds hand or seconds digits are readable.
4:22
